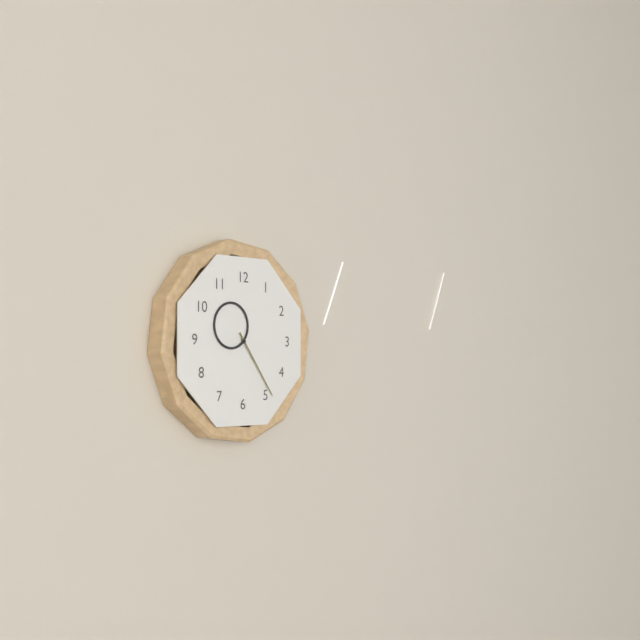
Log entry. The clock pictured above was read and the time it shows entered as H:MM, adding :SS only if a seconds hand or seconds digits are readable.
10:24
